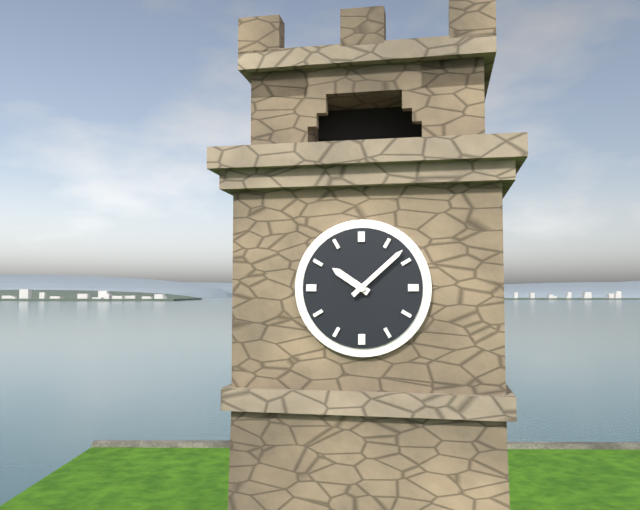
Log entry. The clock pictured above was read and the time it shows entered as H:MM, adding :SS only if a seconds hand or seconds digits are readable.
10:08
